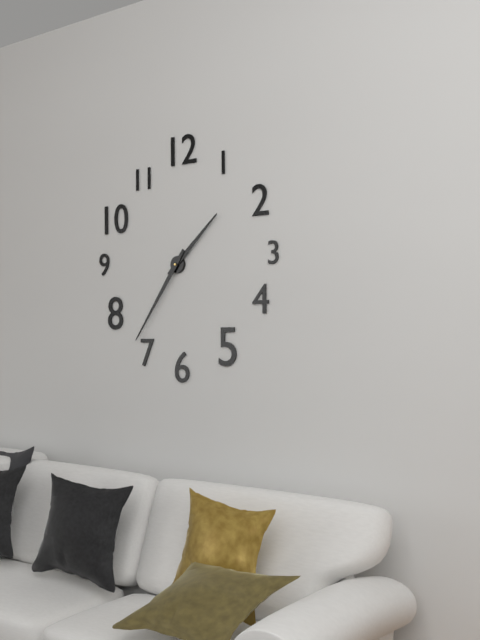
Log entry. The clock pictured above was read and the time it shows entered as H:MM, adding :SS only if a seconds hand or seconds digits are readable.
1:36
